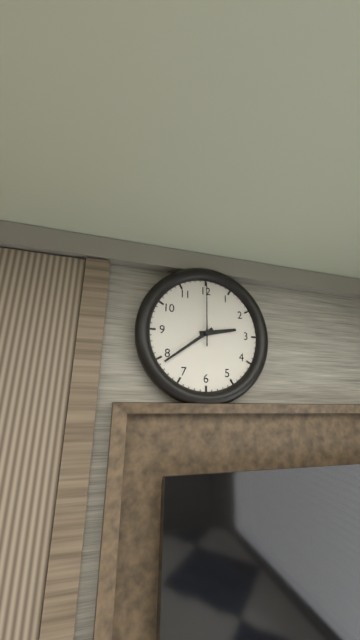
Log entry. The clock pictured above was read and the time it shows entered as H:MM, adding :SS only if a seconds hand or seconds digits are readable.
2:39:00
